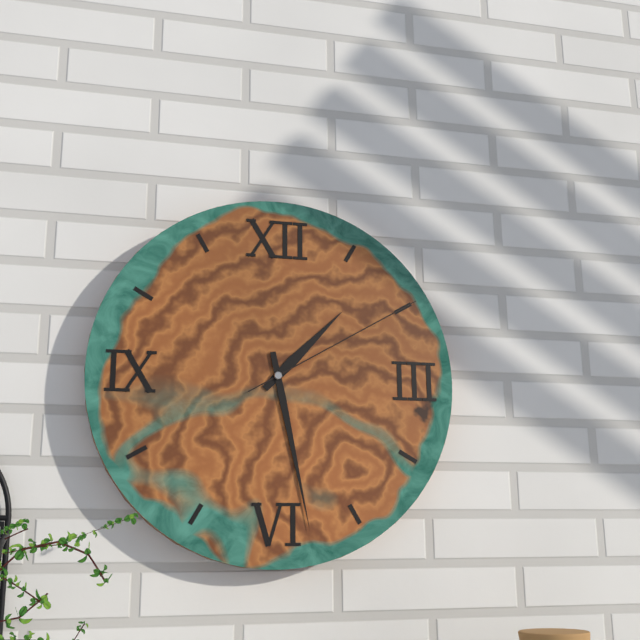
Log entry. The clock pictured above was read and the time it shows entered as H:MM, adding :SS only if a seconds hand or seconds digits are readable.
1:28:10
